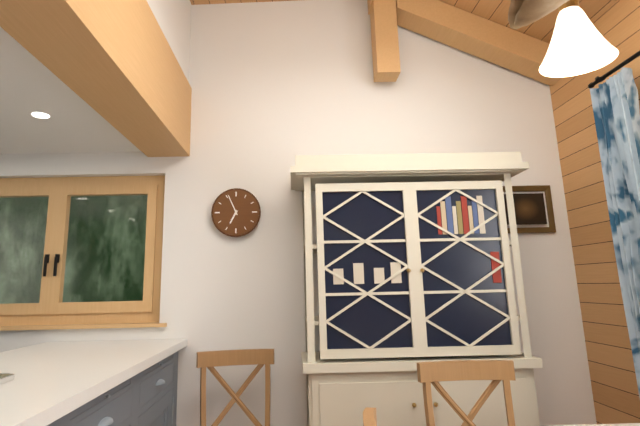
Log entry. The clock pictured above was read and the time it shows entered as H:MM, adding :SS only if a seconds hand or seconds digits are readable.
6:56
